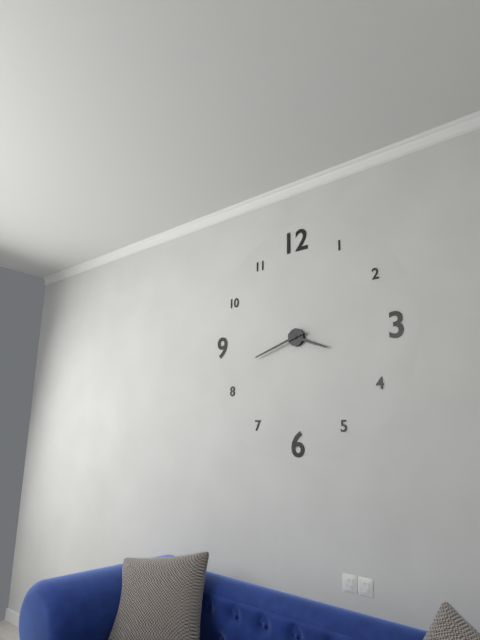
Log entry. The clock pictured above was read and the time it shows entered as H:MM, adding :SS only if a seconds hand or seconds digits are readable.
3:42
